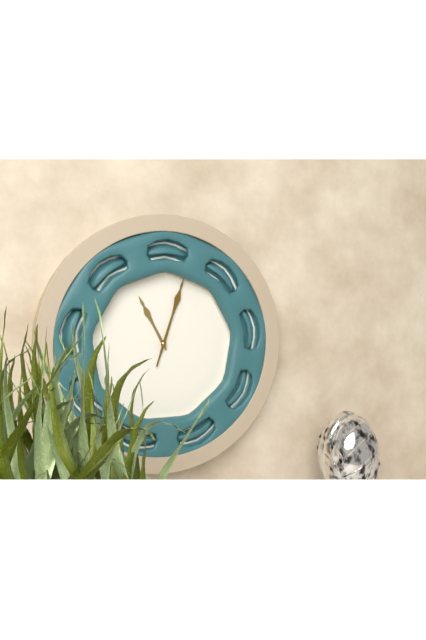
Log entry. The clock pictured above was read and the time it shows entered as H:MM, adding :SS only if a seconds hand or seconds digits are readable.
11:03
